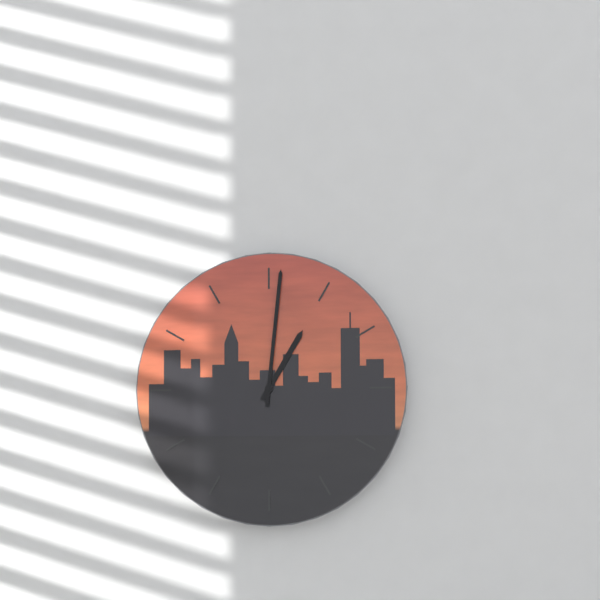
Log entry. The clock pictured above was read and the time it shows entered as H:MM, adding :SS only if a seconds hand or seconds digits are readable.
1:01
